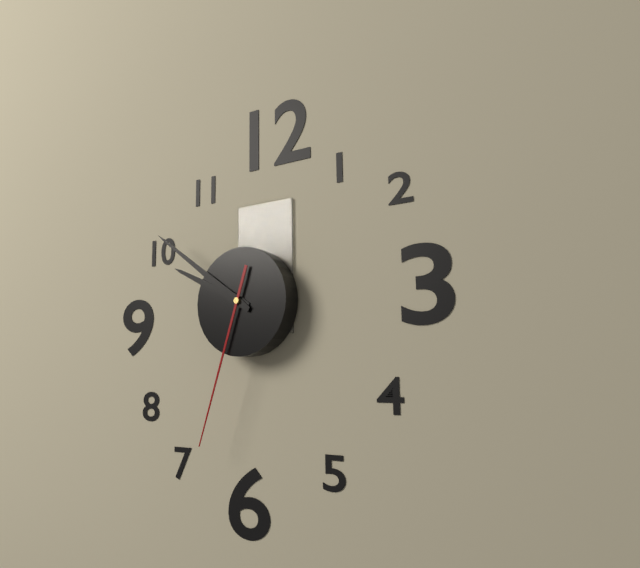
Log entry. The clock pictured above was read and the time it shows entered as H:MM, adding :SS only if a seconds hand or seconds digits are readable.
9:51:33
